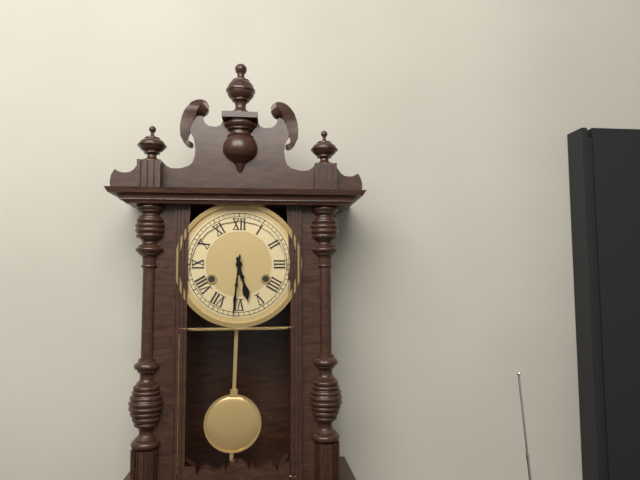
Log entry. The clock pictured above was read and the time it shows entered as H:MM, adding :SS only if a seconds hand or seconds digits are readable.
5:31
